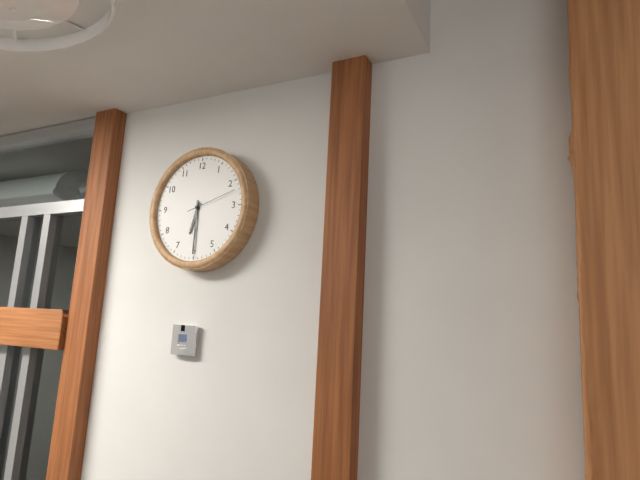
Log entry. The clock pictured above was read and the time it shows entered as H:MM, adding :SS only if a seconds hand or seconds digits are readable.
6:30:12
